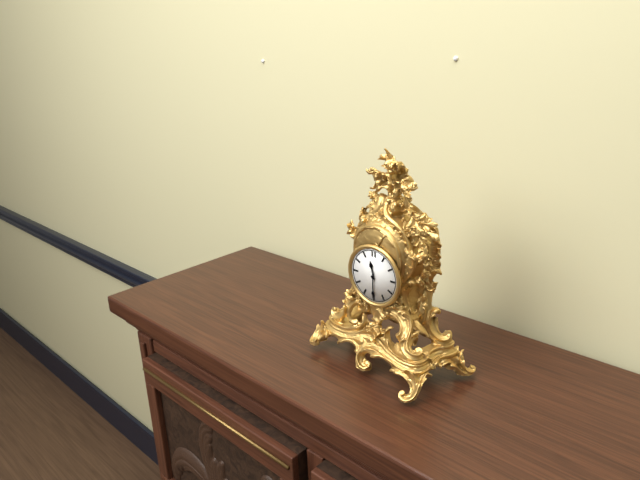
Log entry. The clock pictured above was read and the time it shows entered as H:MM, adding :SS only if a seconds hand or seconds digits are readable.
11:30
